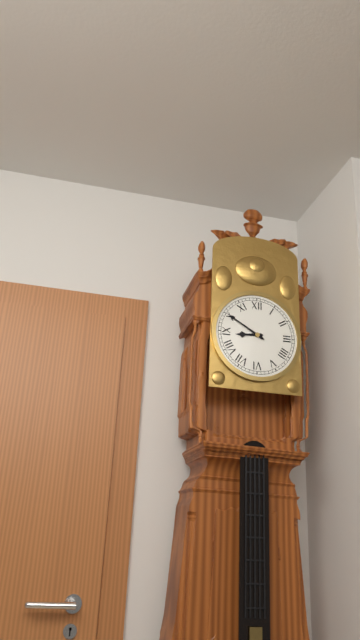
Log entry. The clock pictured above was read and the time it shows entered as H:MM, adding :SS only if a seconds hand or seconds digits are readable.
8:50
